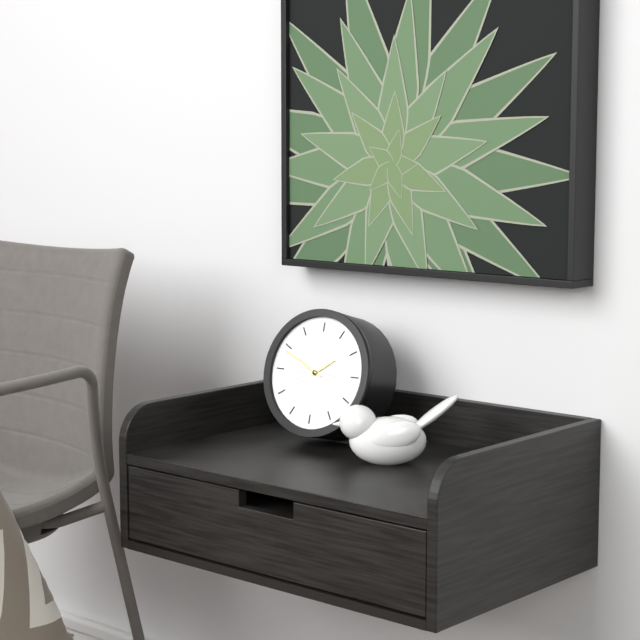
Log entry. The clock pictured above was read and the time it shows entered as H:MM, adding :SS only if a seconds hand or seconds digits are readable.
1:49
